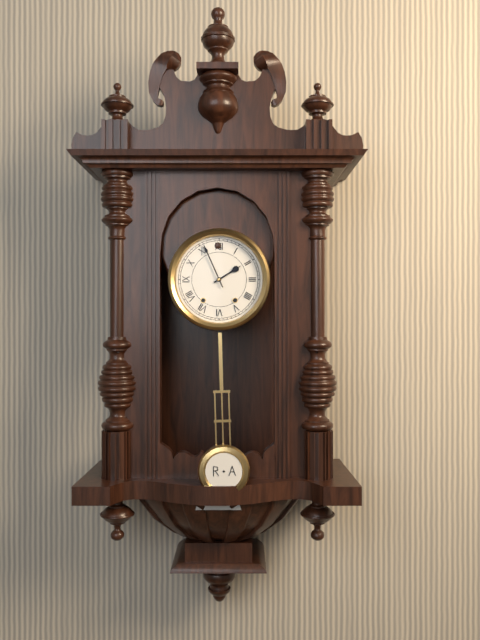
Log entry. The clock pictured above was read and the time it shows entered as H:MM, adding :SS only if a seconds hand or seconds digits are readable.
1:56
